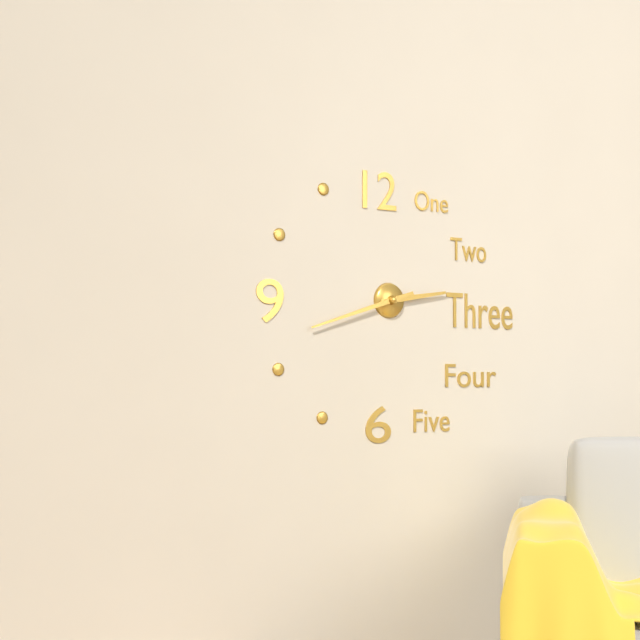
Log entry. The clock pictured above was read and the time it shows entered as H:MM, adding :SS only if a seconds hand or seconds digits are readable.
2:42
